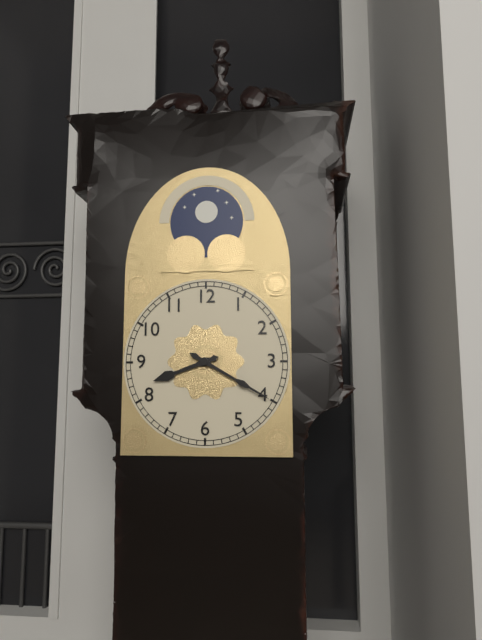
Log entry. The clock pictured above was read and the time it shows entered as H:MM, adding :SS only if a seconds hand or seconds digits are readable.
8:20
